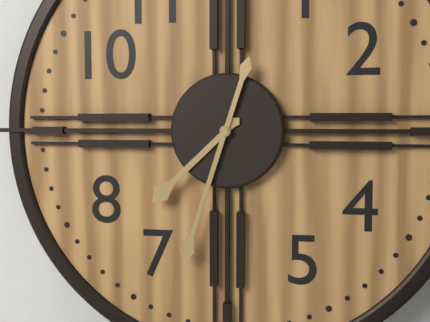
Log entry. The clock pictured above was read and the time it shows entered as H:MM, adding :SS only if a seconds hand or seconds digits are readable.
7:33
